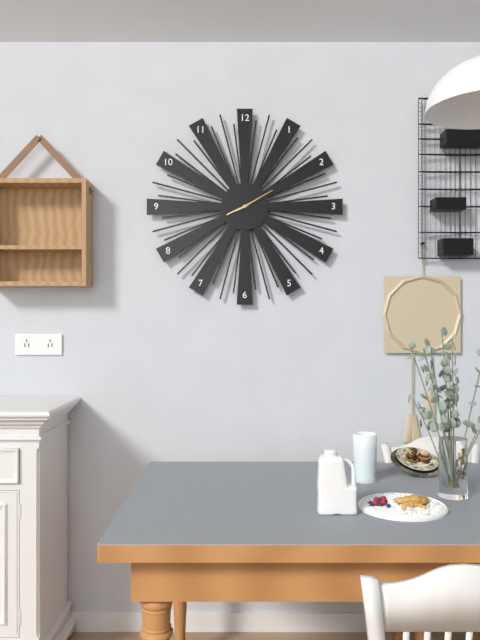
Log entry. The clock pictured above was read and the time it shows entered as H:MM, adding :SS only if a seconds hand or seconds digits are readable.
8:10
